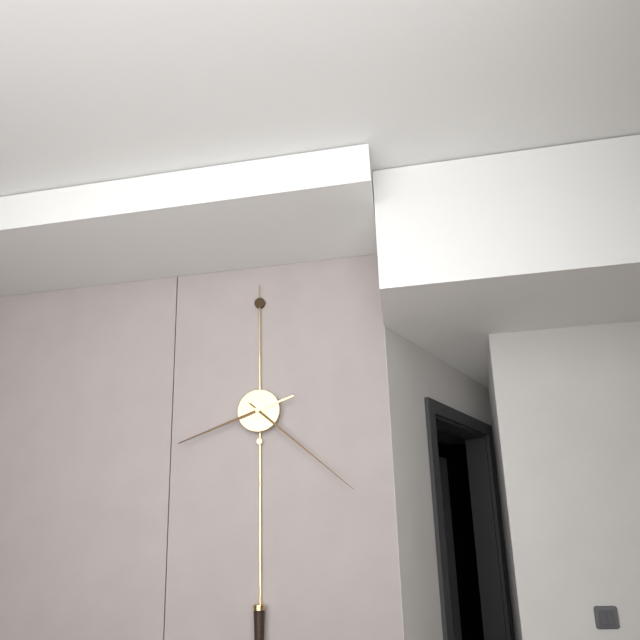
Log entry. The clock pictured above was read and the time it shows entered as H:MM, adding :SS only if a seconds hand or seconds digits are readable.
8:22
